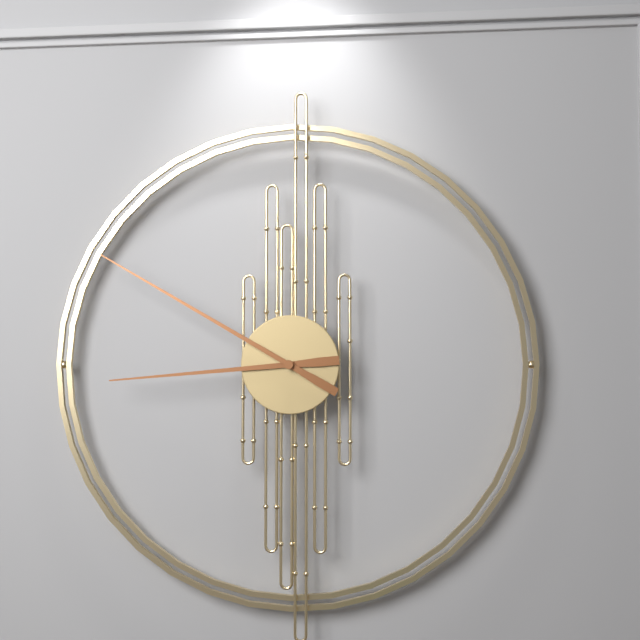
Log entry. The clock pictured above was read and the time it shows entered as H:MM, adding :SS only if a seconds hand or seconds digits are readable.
8:50
